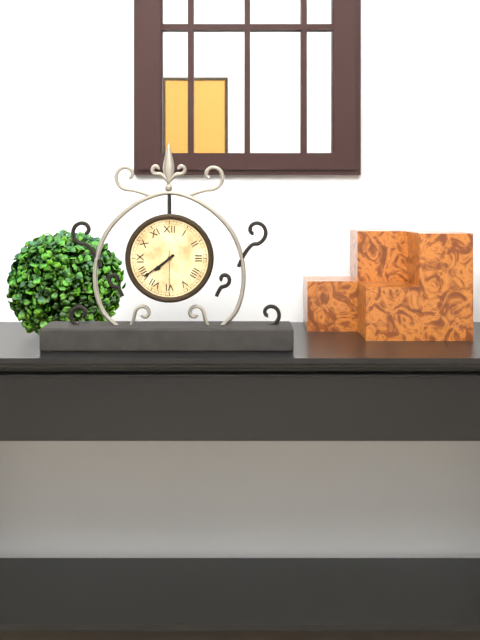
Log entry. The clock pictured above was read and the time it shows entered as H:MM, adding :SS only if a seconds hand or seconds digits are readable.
7:39
